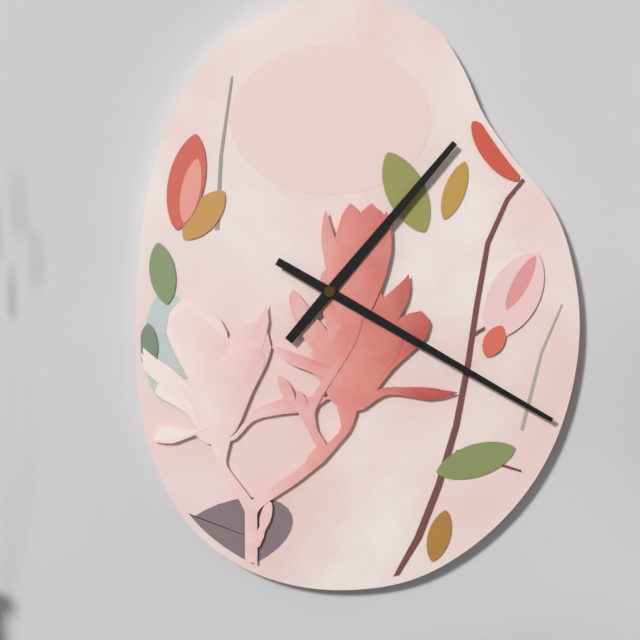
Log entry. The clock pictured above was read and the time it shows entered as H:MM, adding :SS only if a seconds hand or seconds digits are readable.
1:20
